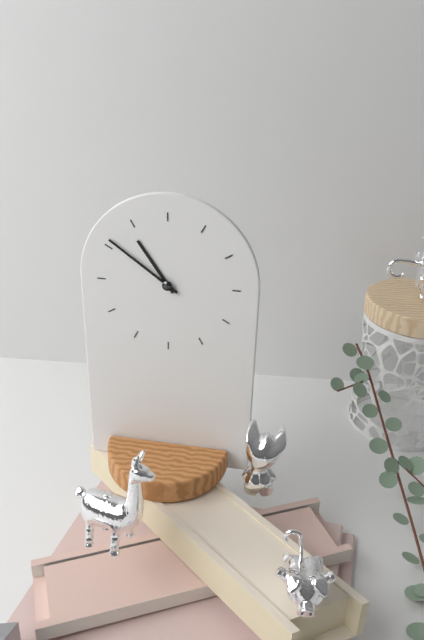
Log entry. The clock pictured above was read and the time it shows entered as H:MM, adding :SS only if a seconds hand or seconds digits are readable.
10:51
